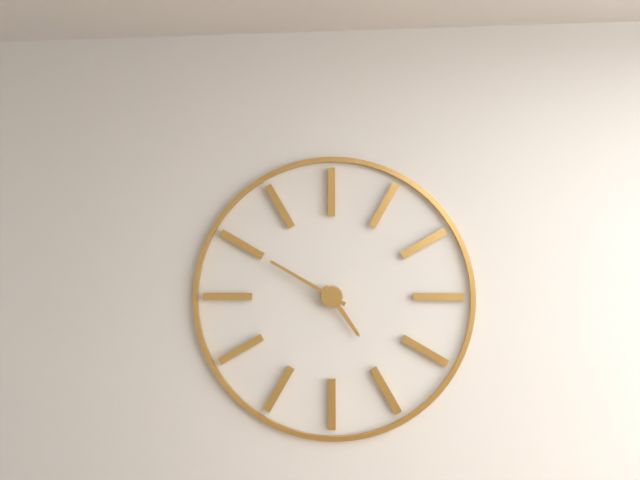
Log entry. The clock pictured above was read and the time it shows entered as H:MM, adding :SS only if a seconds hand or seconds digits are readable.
4:50
